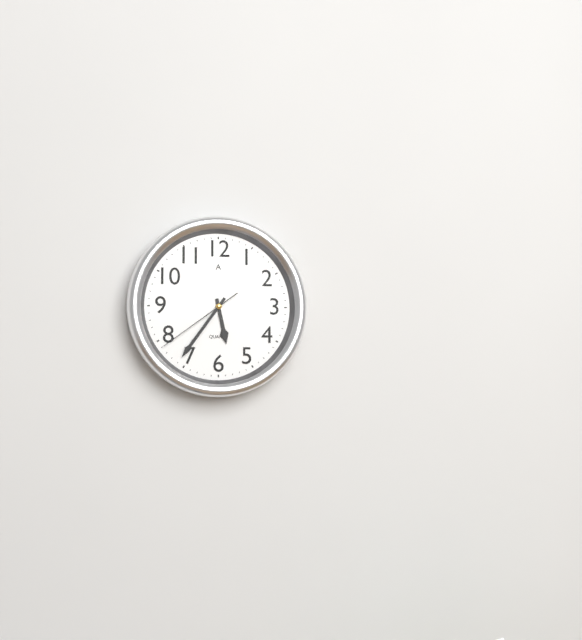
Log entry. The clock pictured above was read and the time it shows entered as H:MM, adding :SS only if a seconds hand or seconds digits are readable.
5:36:39
